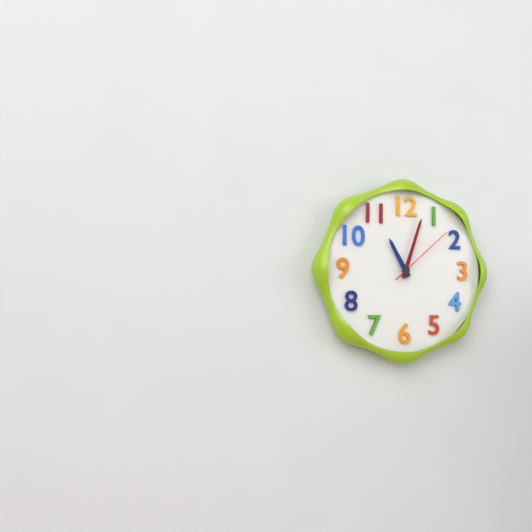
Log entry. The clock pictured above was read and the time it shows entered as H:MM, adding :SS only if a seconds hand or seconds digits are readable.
11:03:08
